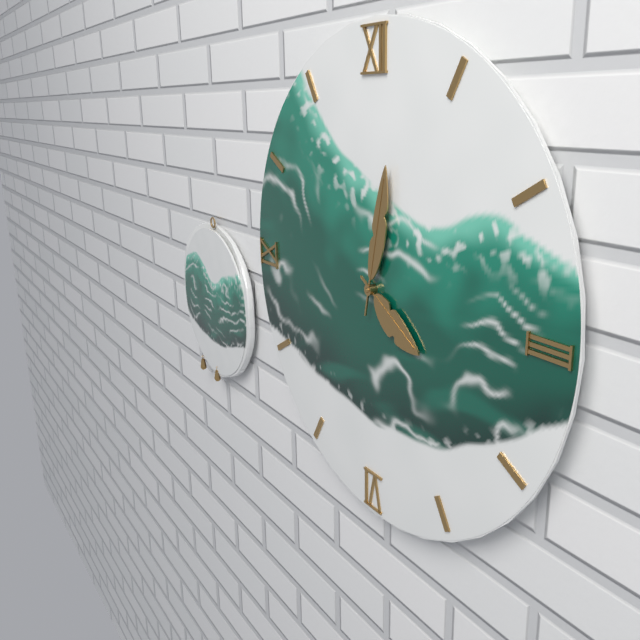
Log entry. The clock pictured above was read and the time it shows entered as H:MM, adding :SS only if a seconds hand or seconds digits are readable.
4:02
